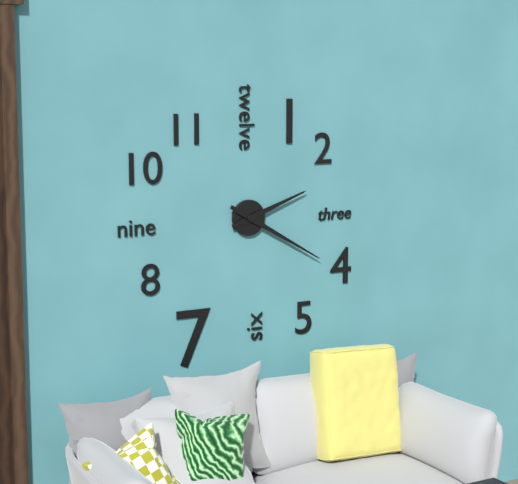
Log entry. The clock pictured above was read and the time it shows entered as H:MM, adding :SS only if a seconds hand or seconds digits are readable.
2:20
